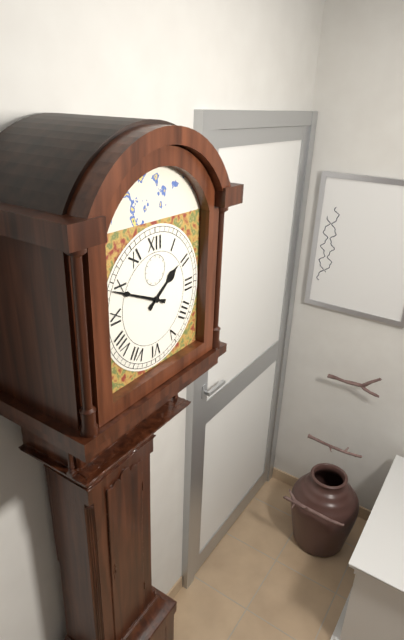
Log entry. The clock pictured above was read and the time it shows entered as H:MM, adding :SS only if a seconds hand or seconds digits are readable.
1:49
